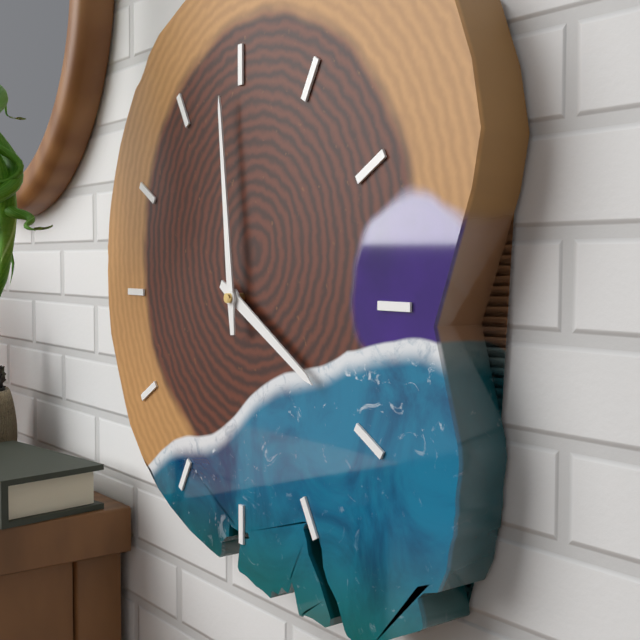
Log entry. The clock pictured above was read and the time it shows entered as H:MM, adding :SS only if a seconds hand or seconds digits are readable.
3:59
